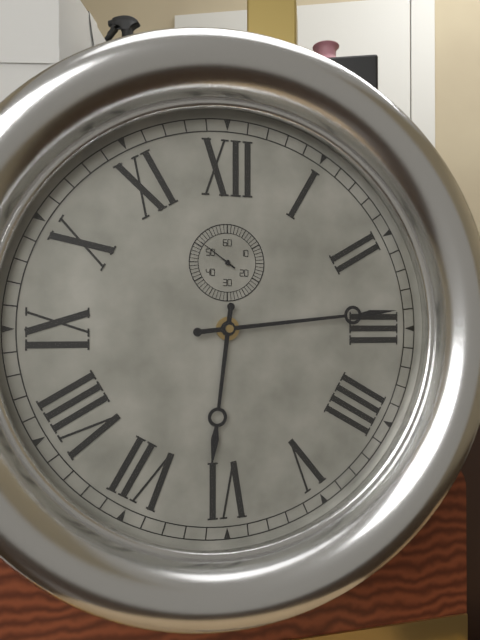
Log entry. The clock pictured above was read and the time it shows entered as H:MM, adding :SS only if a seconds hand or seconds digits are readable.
6:14
